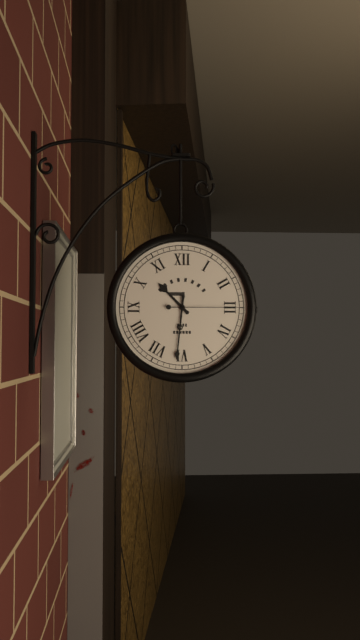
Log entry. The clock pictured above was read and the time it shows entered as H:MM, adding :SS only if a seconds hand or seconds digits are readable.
10:31:15
